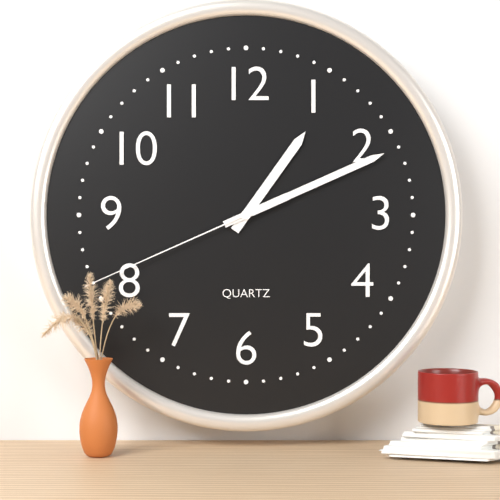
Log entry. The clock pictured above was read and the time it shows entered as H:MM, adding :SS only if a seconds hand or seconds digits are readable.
1:11:41
